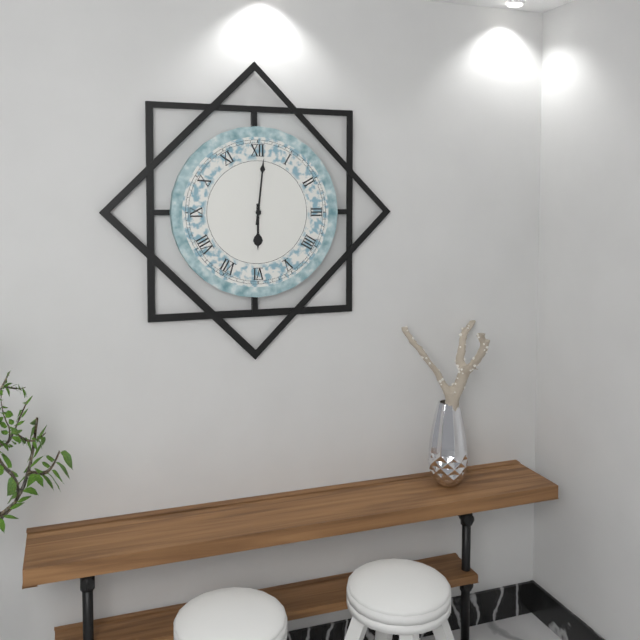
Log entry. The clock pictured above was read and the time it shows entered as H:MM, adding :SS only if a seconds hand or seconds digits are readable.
6:01
